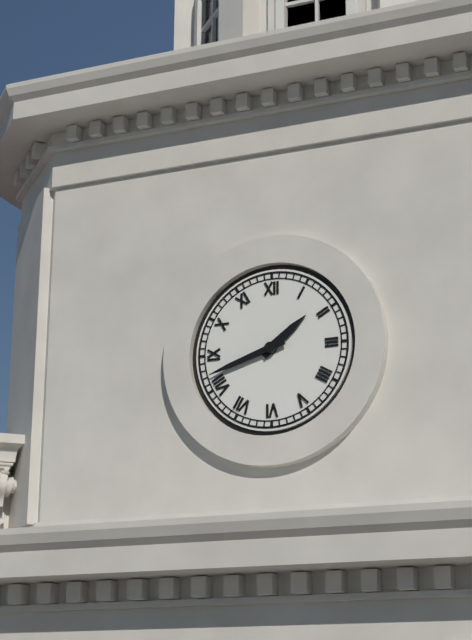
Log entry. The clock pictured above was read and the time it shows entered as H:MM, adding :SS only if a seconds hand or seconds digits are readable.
1:42
